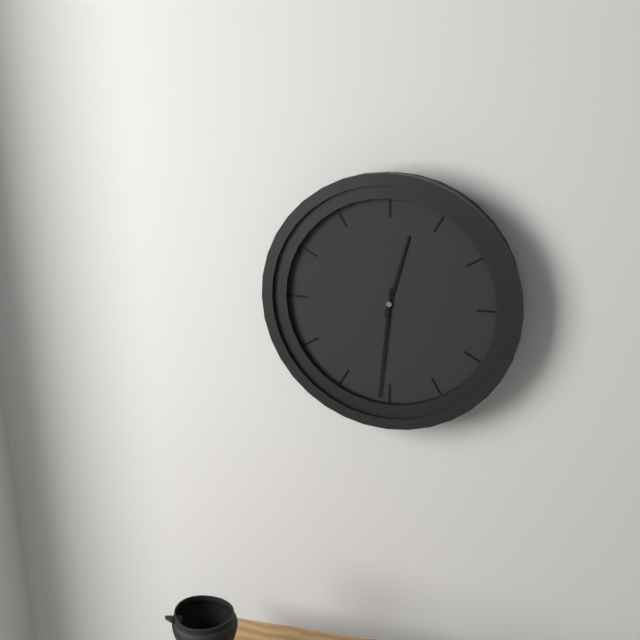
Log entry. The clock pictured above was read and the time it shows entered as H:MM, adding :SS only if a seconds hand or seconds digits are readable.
12:31
